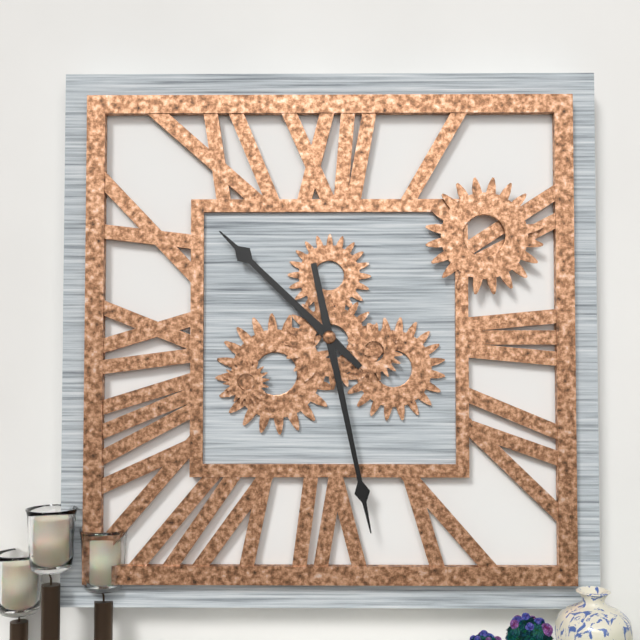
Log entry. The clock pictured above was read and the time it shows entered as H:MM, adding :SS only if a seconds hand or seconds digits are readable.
10:28
